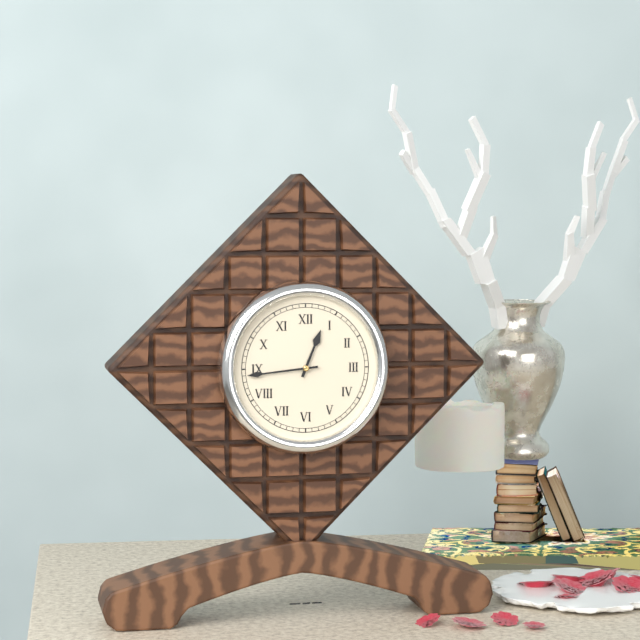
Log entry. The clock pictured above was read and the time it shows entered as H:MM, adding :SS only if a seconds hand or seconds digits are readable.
12:44
